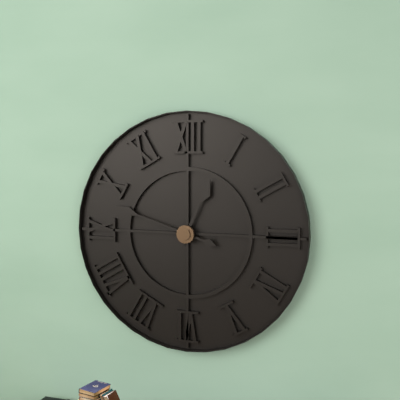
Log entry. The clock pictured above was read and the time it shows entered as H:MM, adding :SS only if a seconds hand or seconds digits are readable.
12:48
